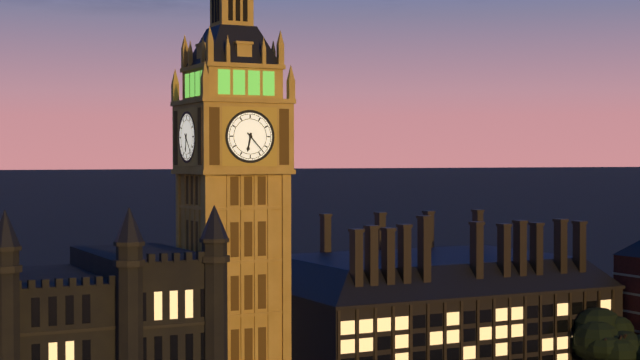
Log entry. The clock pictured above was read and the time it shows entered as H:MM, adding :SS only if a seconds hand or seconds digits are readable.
6:23
